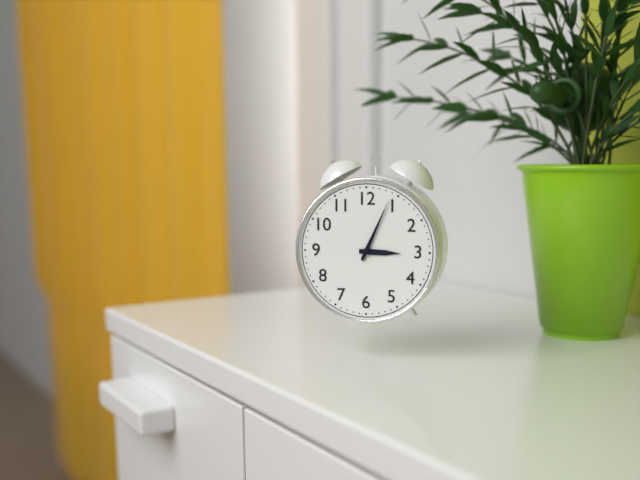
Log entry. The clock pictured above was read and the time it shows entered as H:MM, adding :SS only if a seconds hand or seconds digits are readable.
3:04
